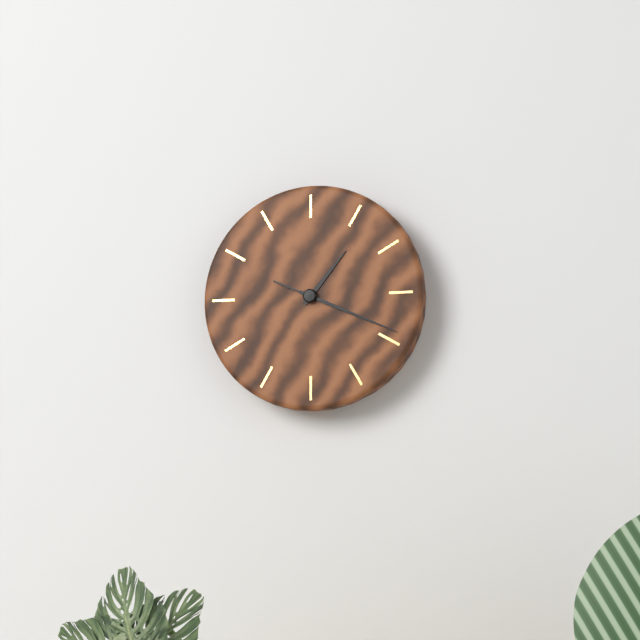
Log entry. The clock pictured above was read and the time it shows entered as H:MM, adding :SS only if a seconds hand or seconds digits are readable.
1:19:19
